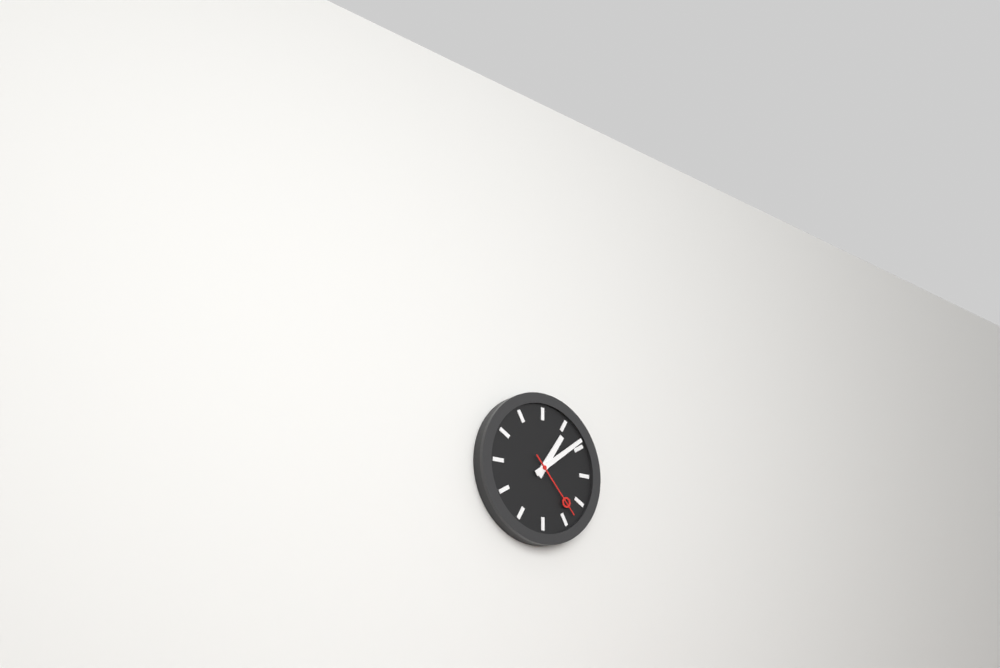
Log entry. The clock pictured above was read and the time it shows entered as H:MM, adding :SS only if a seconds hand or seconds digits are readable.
1:09:23
